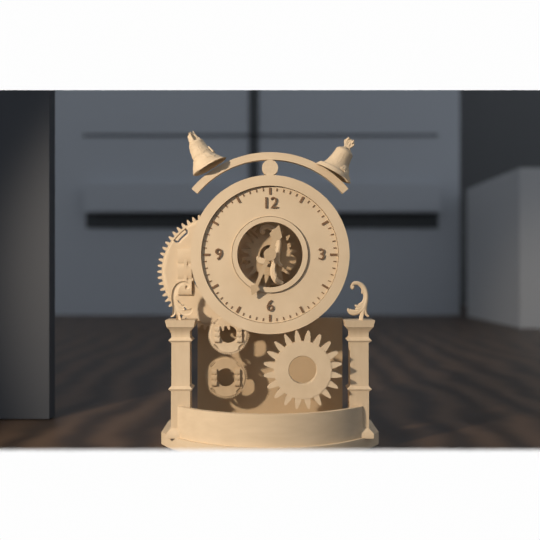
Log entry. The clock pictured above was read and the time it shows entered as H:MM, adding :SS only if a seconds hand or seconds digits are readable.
12:34
